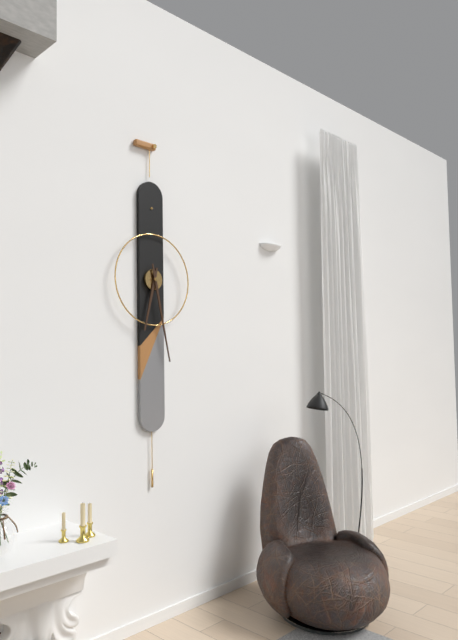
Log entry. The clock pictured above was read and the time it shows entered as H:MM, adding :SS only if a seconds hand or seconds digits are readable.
6:28
